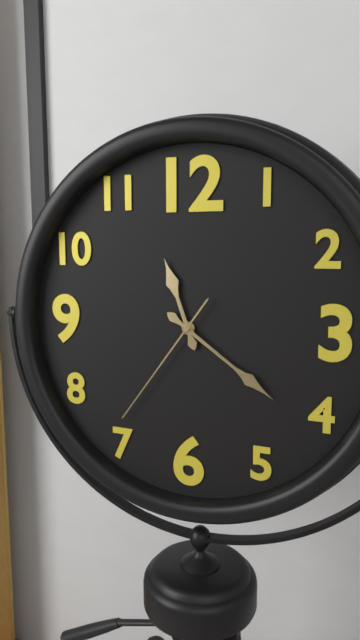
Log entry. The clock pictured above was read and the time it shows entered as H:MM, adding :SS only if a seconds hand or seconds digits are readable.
11:21:36
